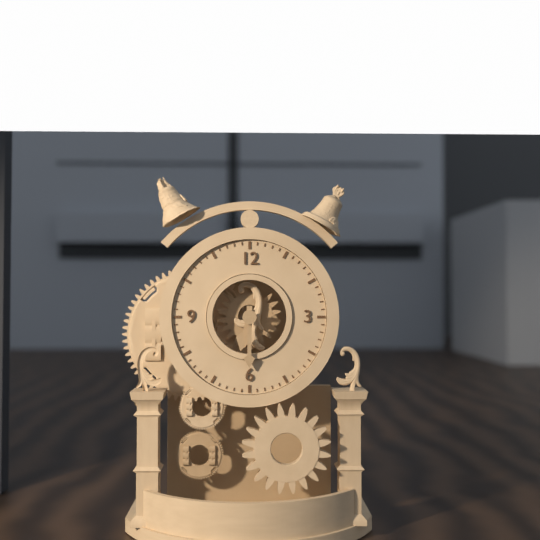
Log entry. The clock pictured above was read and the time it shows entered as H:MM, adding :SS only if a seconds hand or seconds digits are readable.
6:30
